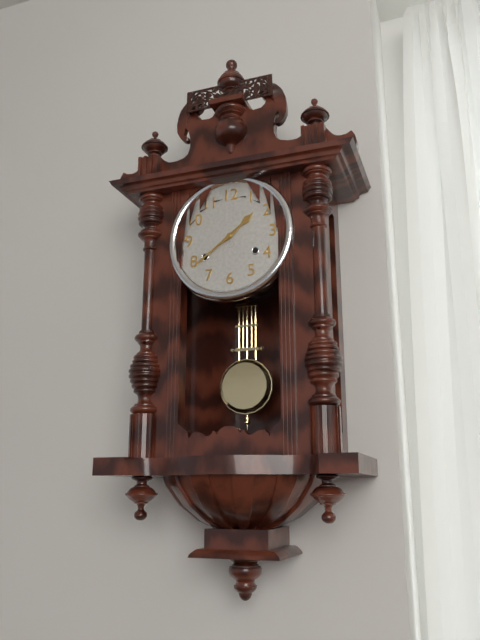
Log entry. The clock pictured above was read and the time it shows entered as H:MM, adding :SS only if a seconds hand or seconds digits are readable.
1:39
